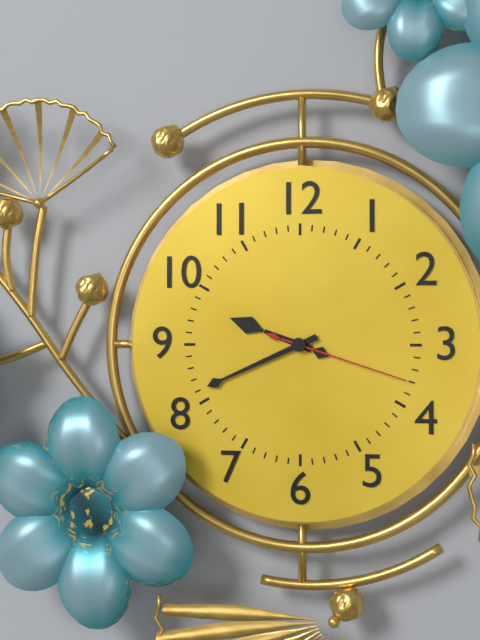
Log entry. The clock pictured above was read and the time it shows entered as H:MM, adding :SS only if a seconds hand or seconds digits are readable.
9:41:18
